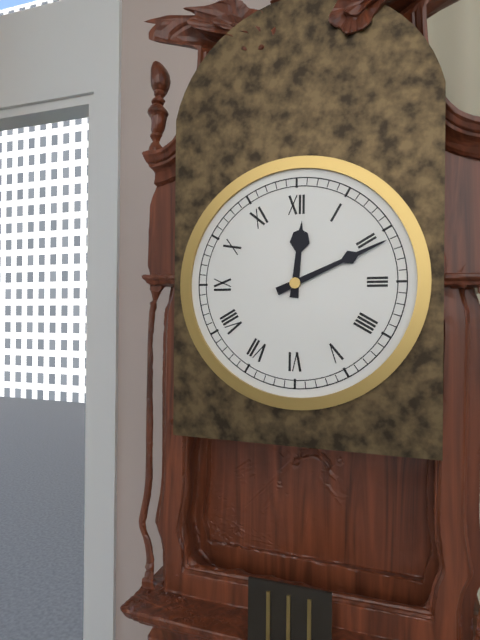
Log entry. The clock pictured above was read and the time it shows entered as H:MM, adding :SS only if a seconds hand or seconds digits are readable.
12:11
